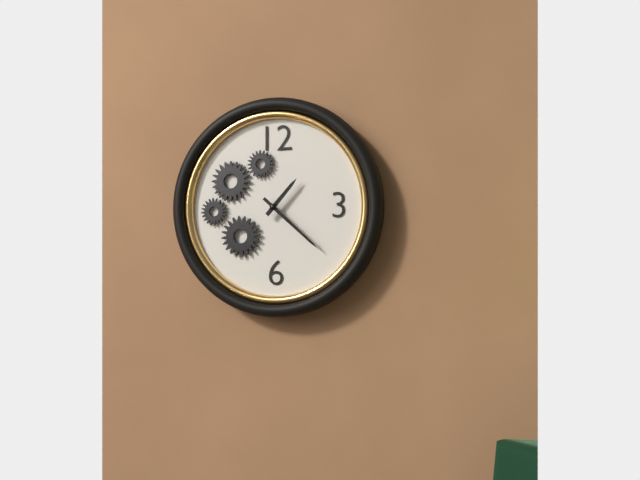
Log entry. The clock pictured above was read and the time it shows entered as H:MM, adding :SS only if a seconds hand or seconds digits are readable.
1:22
